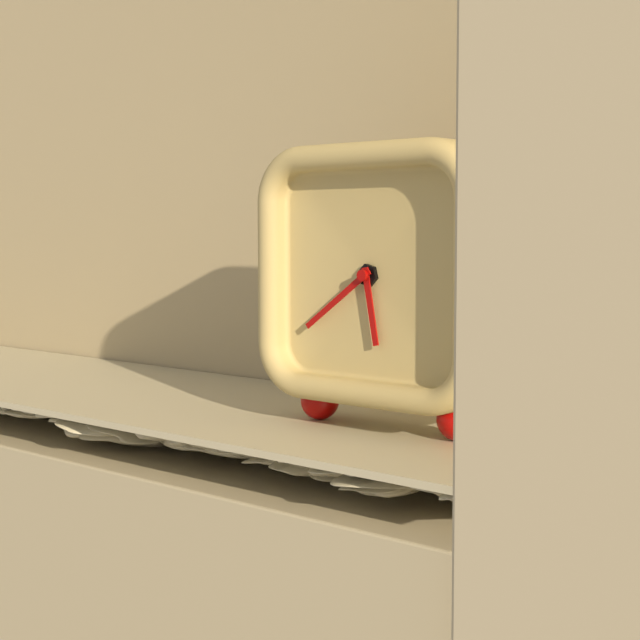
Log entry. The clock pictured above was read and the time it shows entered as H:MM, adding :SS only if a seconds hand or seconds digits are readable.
5:39
